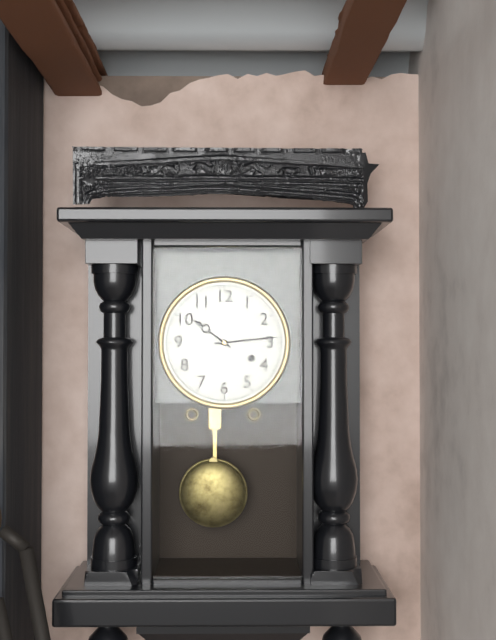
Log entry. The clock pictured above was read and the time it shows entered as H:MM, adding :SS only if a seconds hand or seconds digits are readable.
10:14
